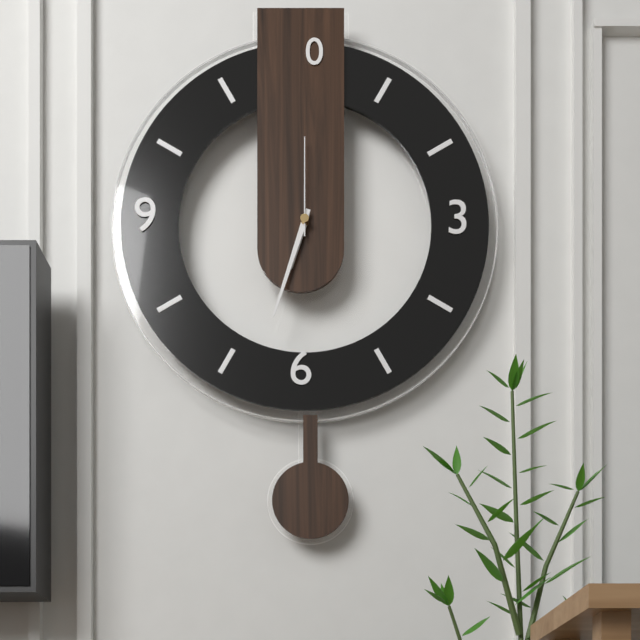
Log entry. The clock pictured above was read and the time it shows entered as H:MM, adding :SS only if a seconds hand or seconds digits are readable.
6:33:00
